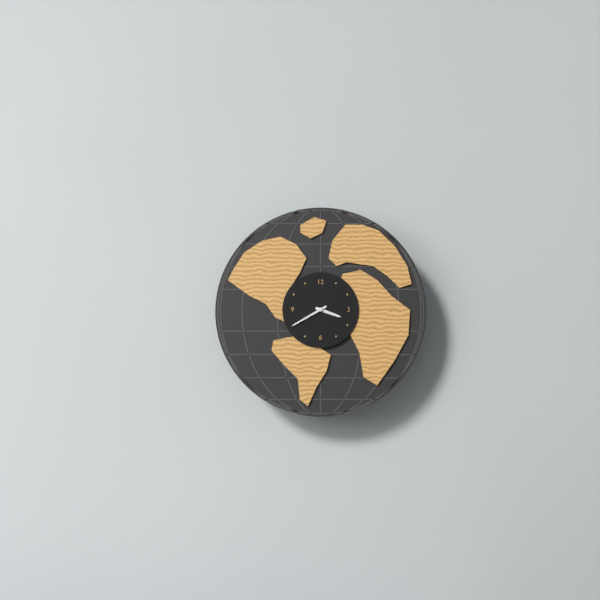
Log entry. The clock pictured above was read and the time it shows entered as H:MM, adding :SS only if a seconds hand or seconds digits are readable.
3:40
